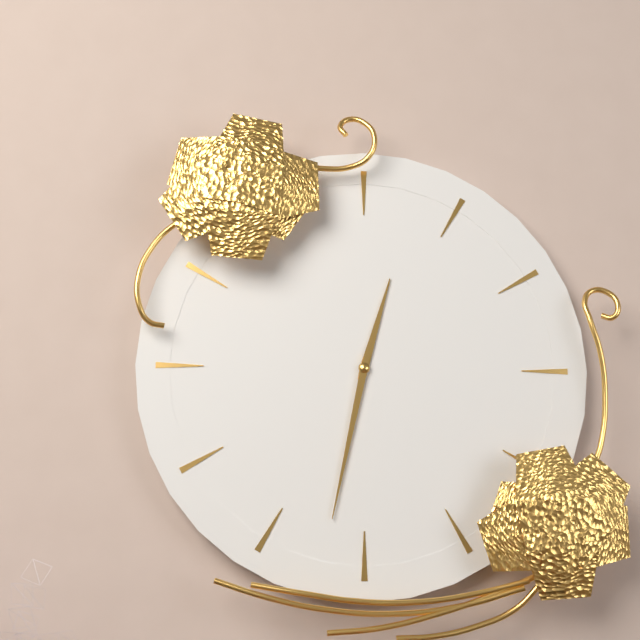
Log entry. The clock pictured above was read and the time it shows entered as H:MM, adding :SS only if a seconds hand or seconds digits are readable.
12:32
